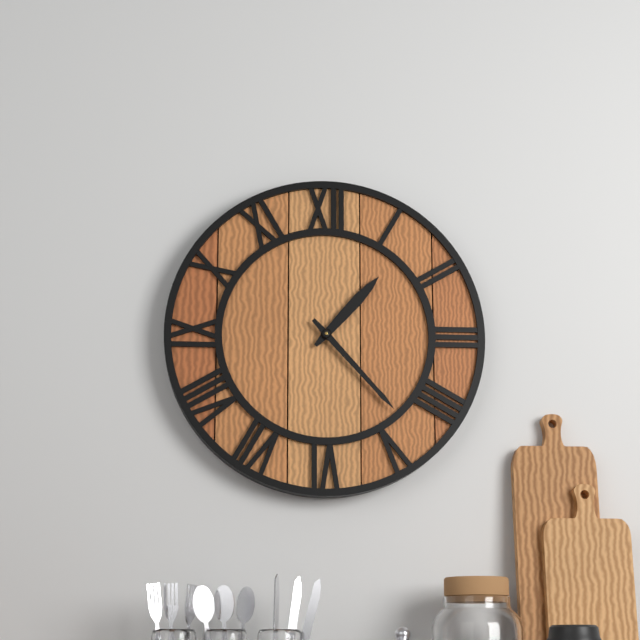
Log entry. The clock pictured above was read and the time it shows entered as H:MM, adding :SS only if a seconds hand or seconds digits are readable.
1:23
